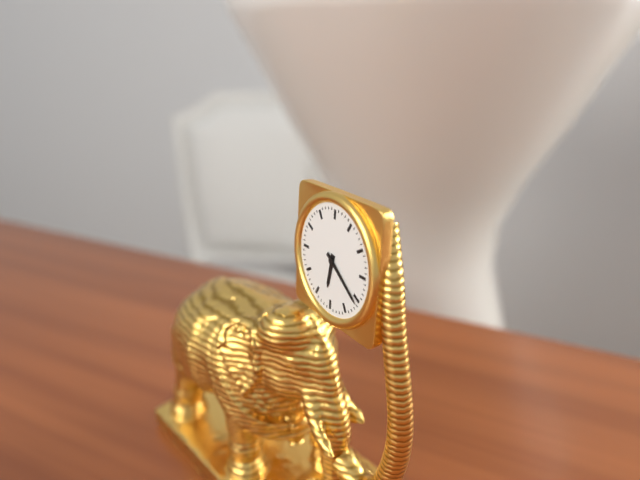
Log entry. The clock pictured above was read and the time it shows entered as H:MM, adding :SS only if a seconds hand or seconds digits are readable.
6:21
